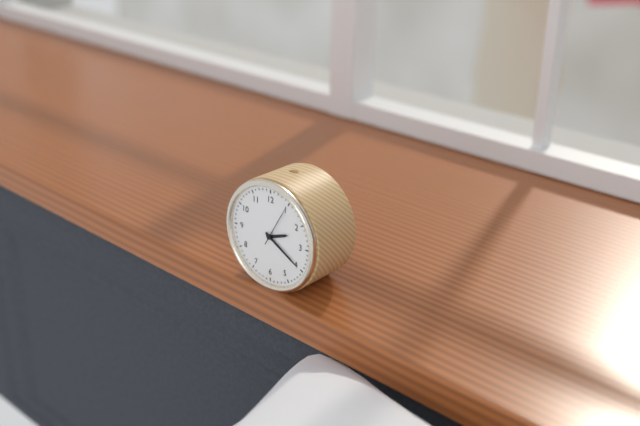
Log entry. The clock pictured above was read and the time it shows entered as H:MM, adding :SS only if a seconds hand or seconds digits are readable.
2:20
